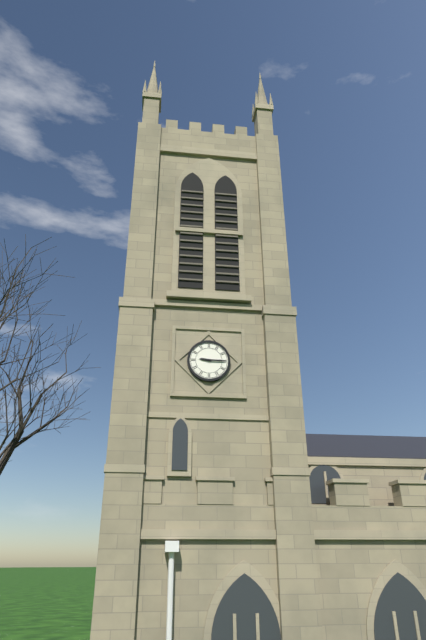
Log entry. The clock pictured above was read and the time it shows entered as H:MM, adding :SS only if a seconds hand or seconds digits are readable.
9:15
